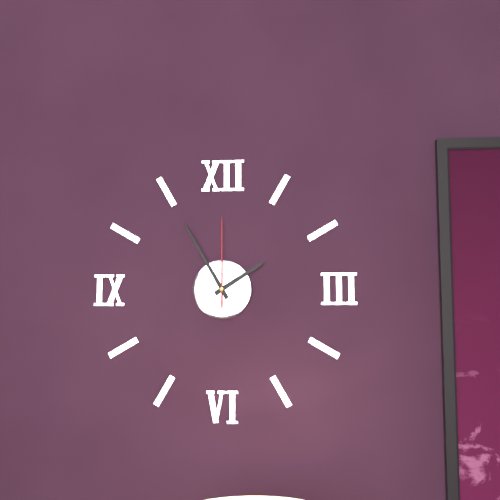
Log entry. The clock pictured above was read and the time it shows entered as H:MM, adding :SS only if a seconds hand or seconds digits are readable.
1:55:00
